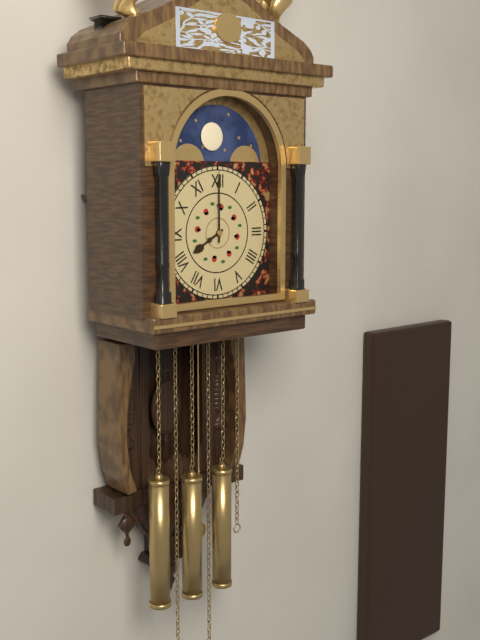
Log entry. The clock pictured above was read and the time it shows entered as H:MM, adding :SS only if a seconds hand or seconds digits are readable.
8:00
